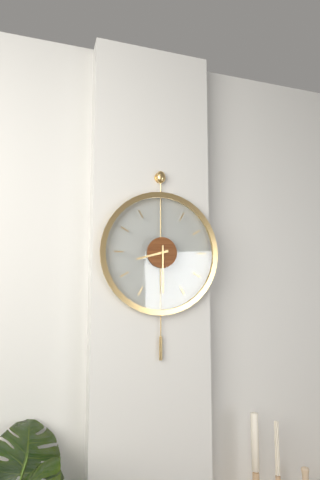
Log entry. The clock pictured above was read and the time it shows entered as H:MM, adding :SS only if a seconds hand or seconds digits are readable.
8:30
